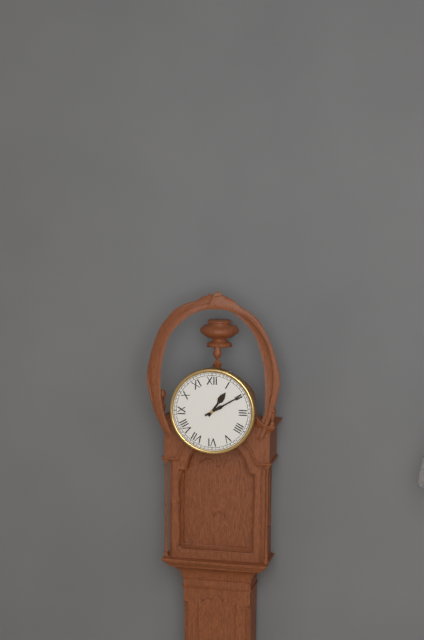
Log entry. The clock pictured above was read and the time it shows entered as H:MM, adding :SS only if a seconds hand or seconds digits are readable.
1:10
